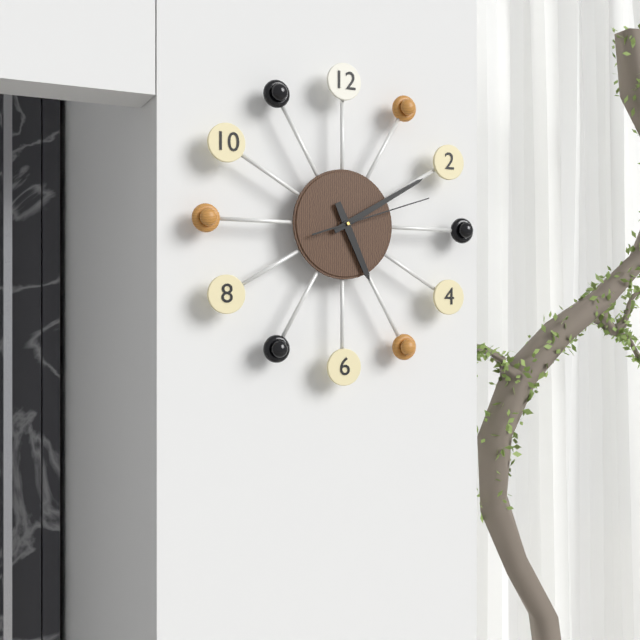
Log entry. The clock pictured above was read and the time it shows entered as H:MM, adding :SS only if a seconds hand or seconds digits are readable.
5:10:12
